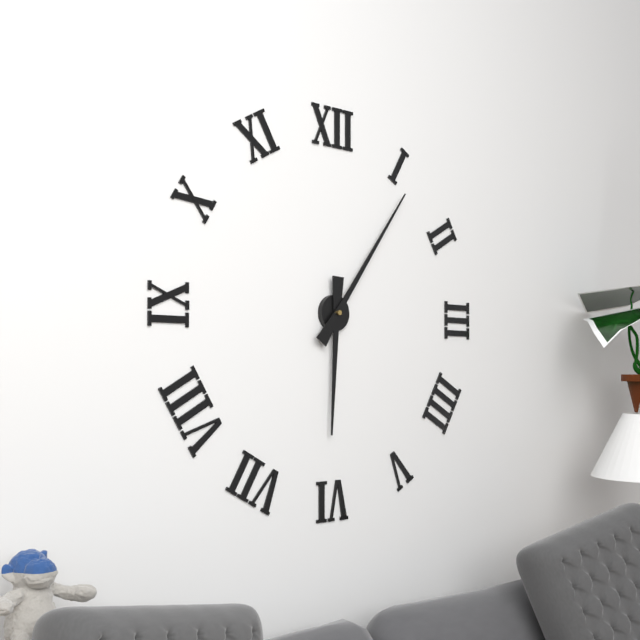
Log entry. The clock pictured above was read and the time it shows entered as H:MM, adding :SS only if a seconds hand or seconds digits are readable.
6:06
